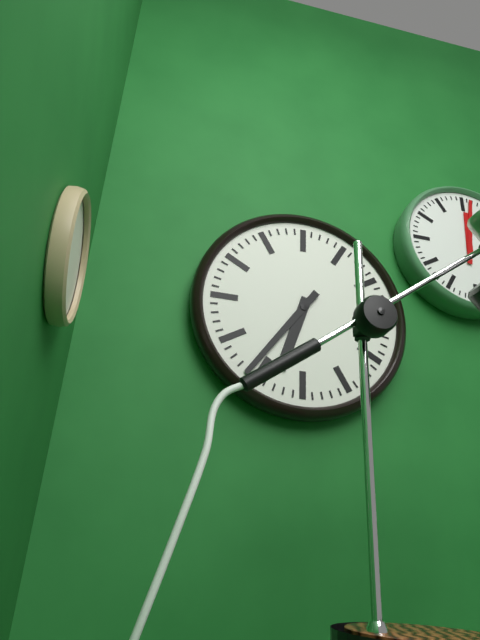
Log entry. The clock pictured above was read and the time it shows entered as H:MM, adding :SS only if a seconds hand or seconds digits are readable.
6:36
